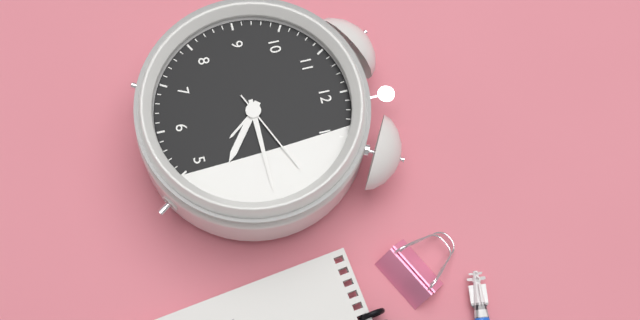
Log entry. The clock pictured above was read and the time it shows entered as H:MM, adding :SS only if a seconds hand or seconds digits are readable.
4:15:11
